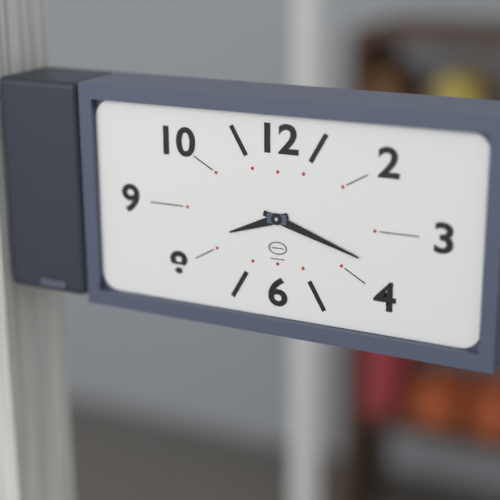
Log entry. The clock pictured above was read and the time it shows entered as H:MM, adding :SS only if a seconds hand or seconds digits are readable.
8:18
